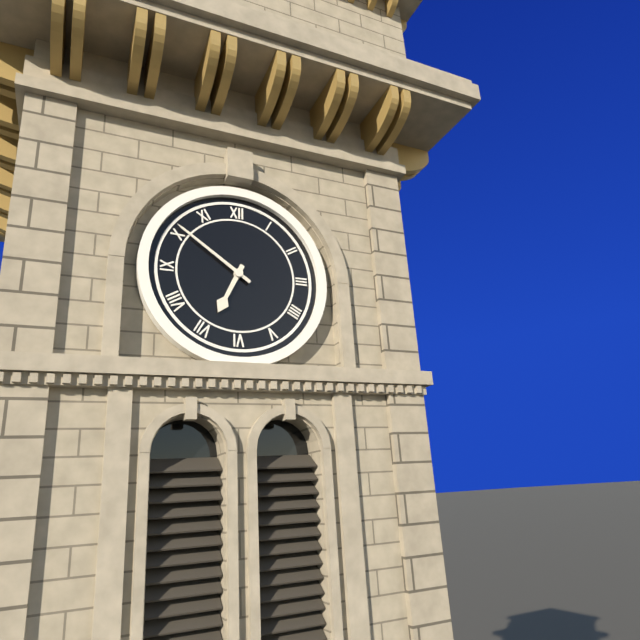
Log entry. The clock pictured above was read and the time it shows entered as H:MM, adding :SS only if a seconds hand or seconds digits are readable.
6:51
